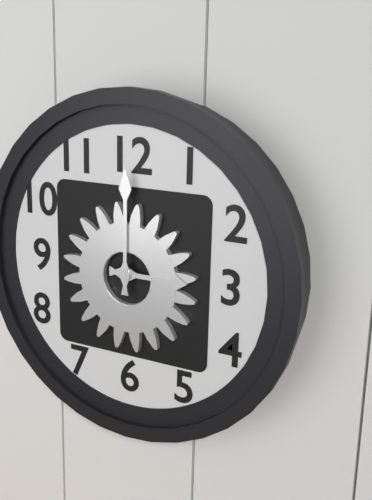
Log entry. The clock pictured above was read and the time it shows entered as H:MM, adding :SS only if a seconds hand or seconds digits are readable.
3:00
